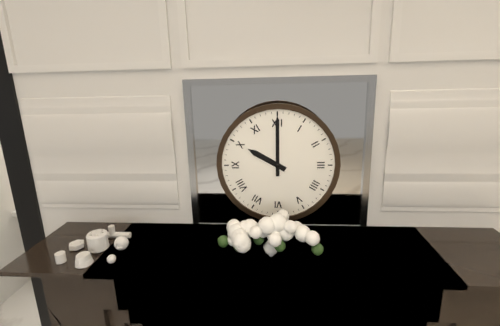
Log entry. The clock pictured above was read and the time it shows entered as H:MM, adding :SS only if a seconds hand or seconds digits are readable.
10:00
